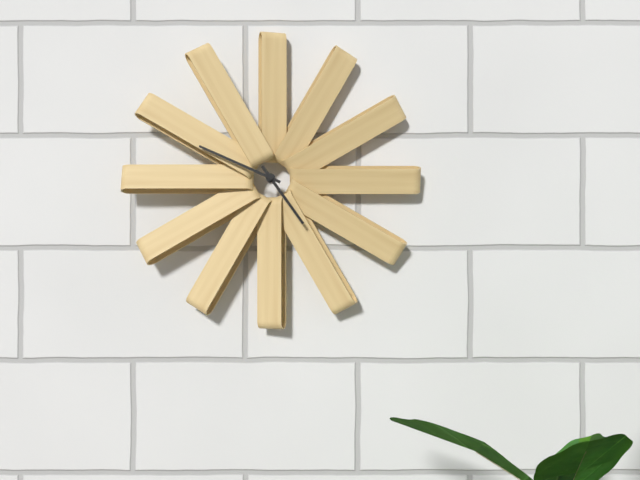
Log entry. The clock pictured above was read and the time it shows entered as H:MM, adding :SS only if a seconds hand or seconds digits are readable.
4:49
